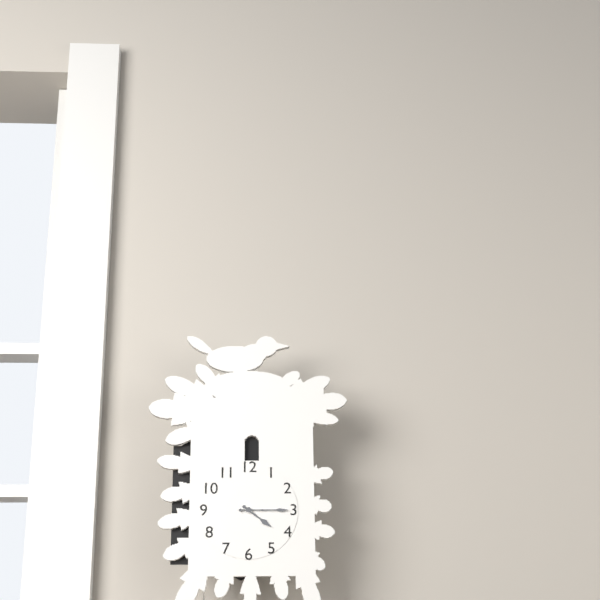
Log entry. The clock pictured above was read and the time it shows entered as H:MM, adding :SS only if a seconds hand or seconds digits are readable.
4:15
